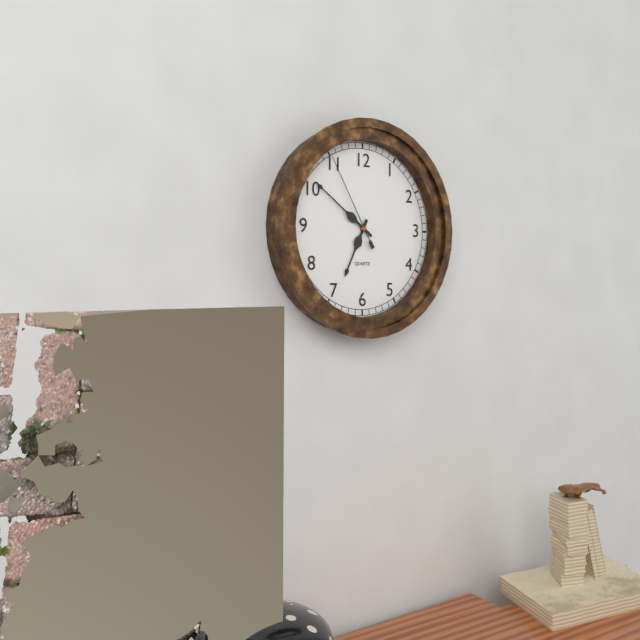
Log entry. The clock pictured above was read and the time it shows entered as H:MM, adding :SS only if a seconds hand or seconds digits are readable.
6:51:55
